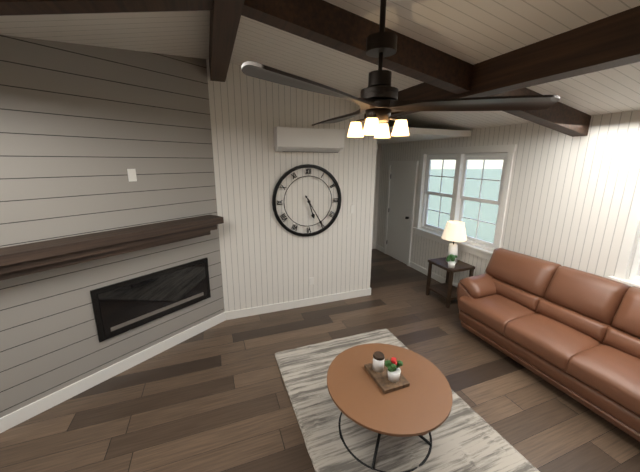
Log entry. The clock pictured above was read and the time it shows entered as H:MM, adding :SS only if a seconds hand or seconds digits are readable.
5:25
